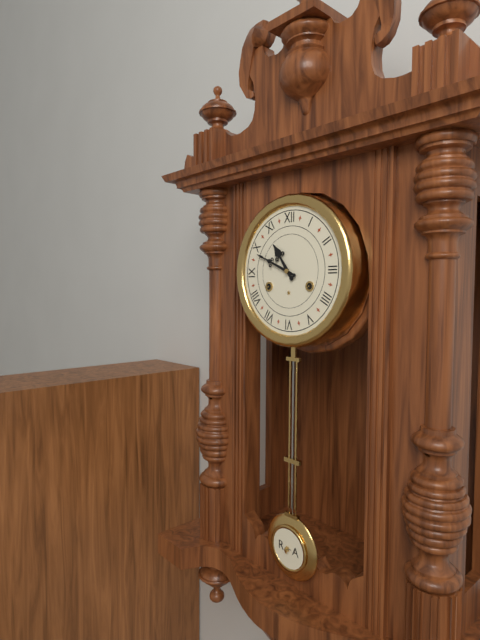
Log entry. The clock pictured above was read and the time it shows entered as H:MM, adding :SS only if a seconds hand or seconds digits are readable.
10:49
